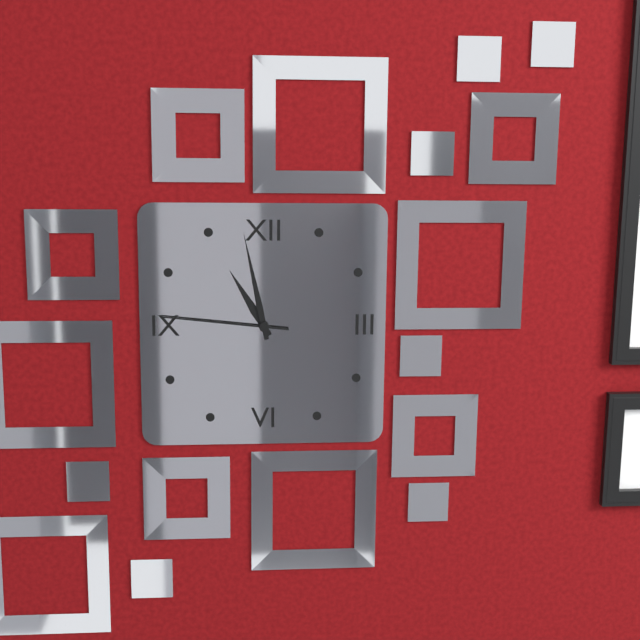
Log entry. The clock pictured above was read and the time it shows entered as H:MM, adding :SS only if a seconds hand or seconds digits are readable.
10:58:46
